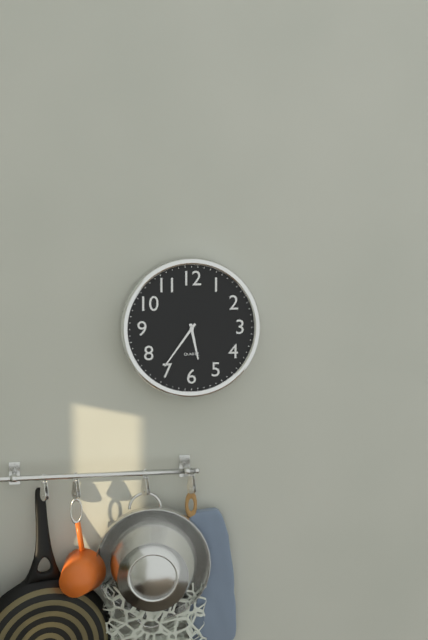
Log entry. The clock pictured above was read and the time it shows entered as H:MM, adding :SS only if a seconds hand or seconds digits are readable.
5:36
